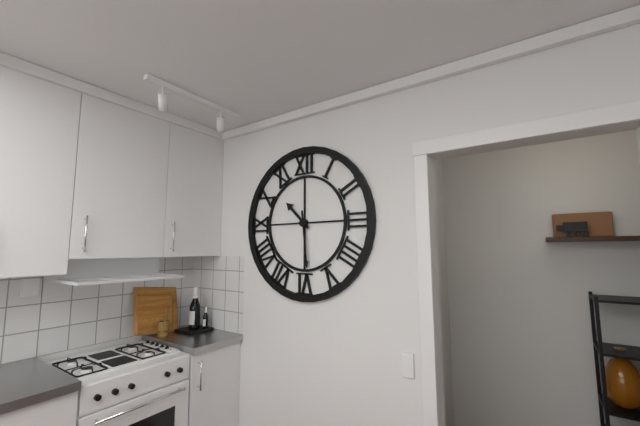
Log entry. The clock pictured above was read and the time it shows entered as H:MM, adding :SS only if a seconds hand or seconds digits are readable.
10:29
